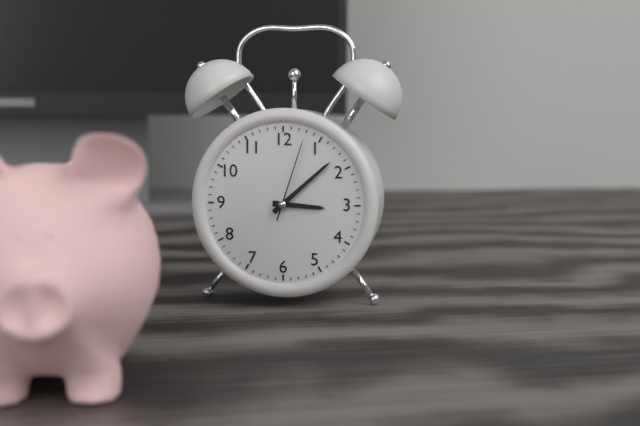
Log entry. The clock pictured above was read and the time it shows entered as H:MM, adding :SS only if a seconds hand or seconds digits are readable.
3:08:03
